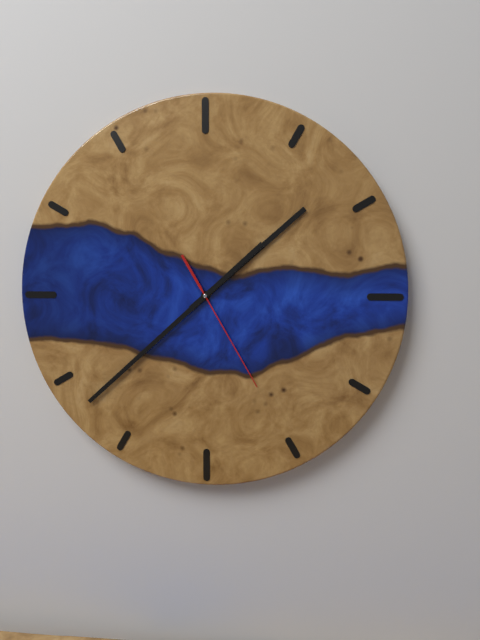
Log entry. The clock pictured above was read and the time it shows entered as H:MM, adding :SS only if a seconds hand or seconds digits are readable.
1:38:25
